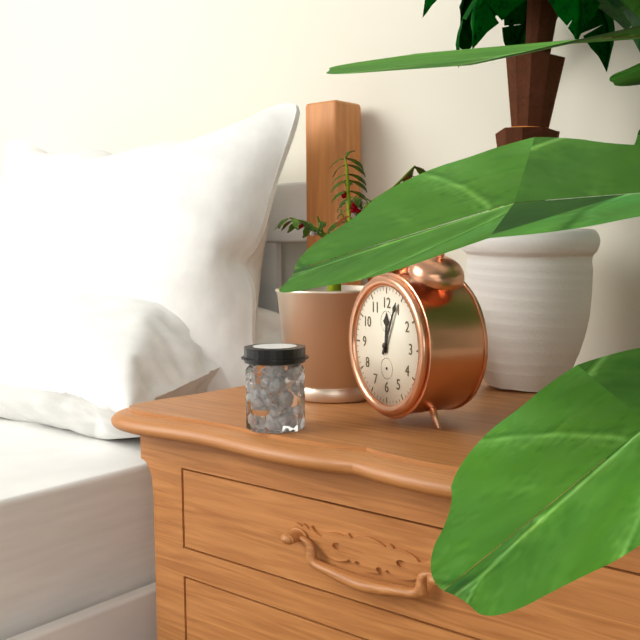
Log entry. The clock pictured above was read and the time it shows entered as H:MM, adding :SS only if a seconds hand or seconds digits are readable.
12:04
